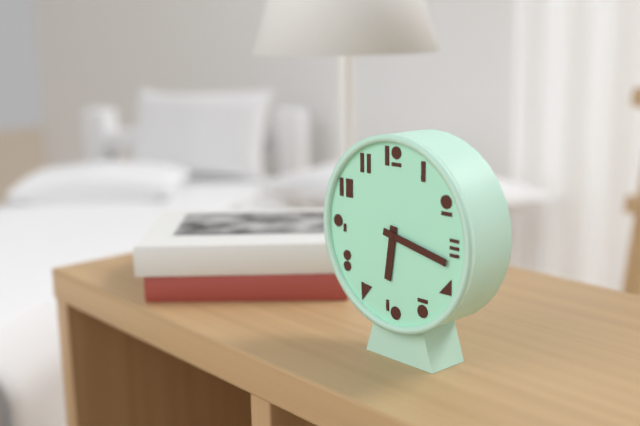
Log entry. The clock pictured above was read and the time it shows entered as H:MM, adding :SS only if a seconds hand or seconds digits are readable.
6:17
